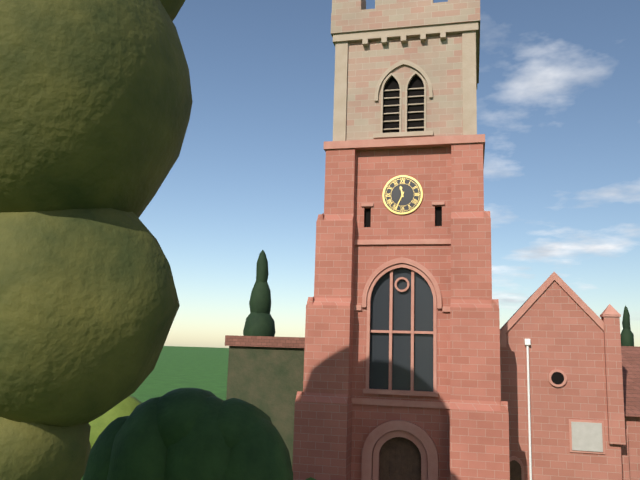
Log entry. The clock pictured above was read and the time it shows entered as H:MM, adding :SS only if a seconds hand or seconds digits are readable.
11:34
